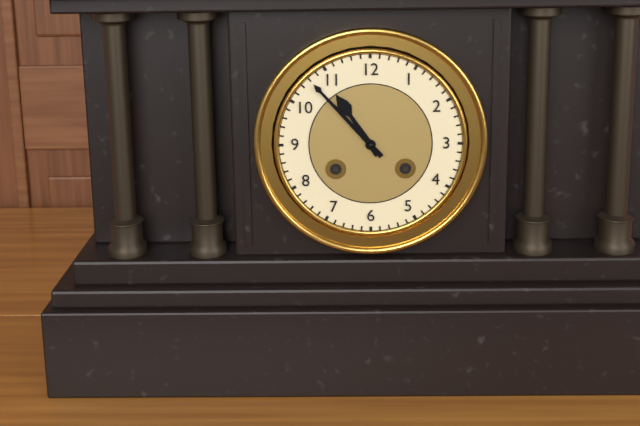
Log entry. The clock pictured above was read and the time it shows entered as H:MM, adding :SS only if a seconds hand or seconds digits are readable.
10:53
